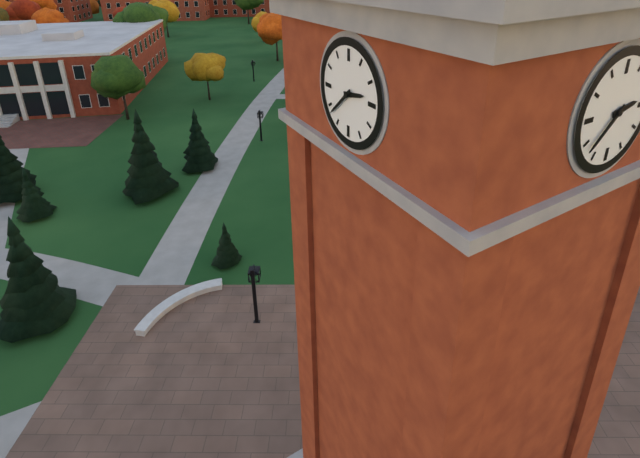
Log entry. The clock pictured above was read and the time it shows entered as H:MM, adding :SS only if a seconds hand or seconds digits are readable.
2:38
